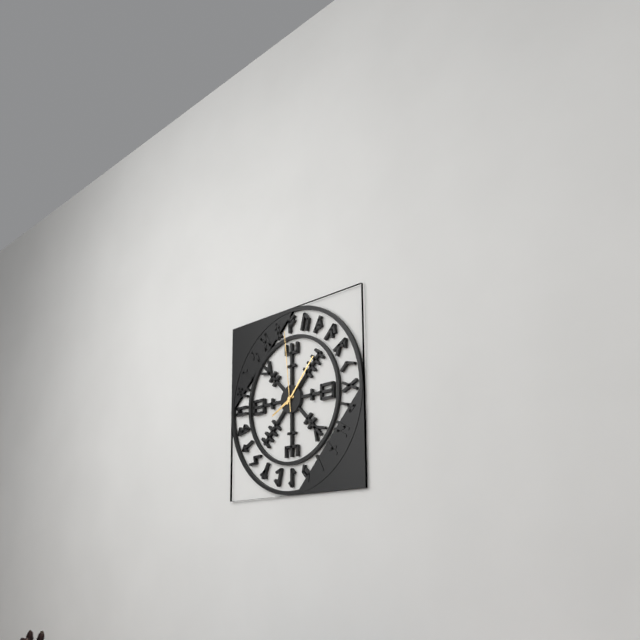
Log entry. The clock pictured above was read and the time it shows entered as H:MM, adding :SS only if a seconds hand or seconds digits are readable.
8:07:59
